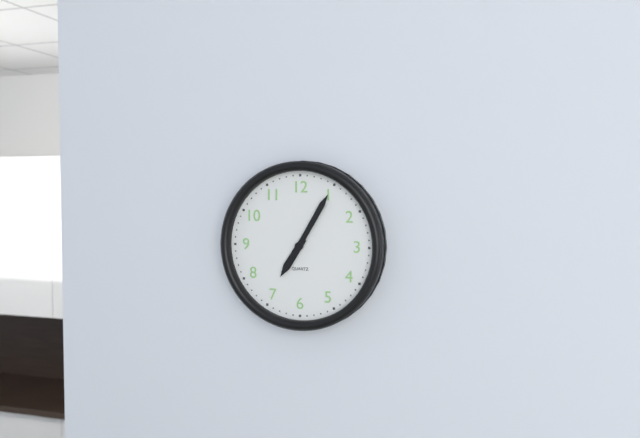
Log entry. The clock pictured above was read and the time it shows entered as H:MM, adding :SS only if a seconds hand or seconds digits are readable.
7:05
